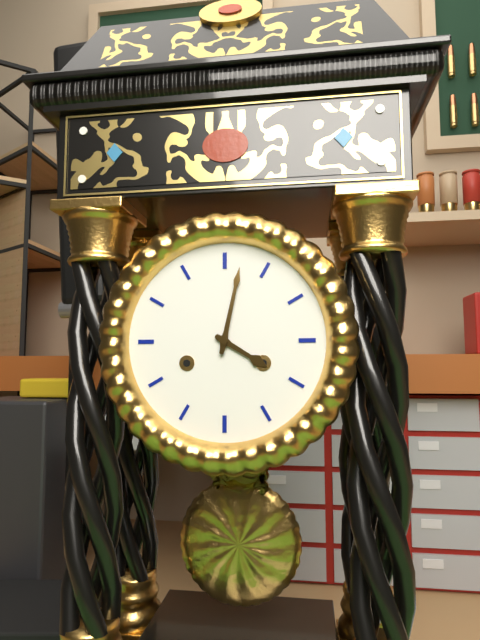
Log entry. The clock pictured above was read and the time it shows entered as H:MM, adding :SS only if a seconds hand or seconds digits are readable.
4:02
